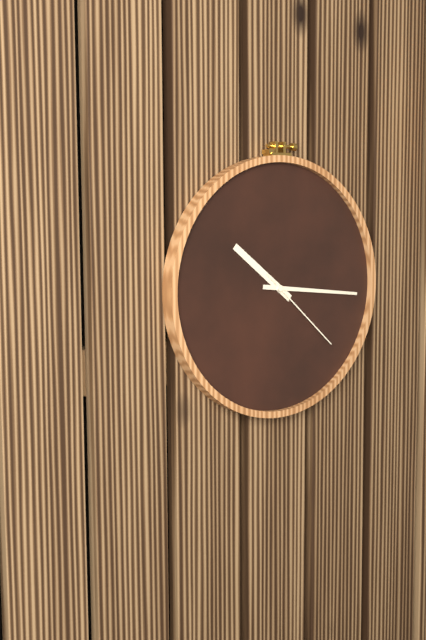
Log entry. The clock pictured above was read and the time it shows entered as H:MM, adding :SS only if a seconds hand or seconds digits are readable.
10:16:22
